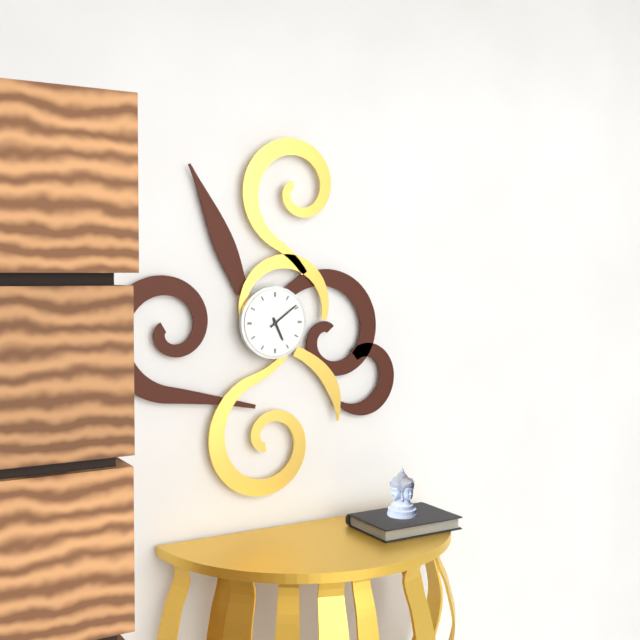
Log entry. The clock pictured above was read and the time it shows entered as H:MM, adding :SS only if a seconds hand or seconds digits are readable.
5:09
